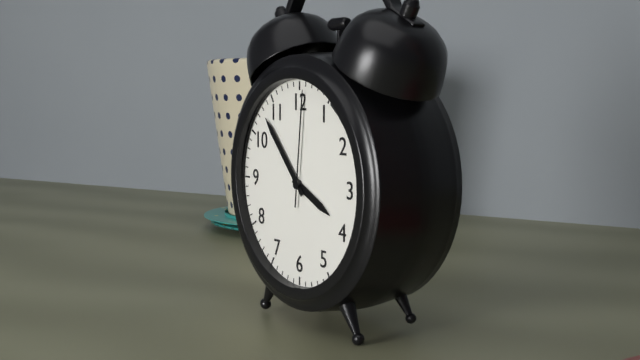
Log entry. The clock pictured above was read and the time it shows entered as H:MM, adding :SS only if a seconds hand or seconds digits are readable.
3:53:01
